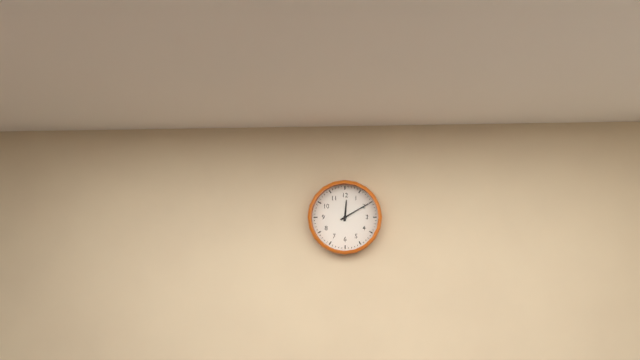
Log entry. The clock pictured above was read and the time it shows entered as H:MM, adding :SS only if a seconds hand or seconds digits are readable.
12:10
